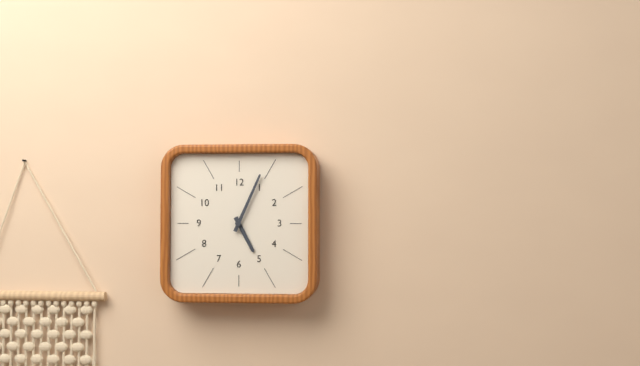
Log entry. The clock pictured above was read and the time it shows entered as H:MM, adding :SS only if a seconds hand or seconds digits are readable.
5:04
